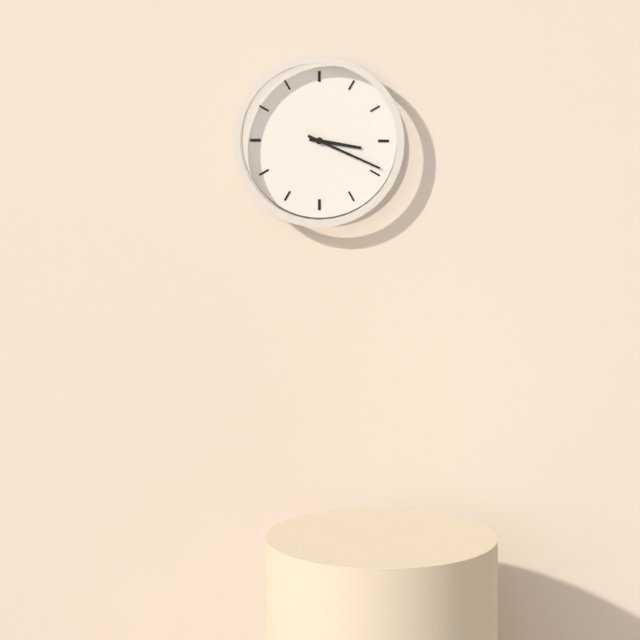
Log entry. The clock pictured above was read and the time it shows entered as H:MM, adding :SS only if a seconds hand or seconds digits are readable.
3:19
